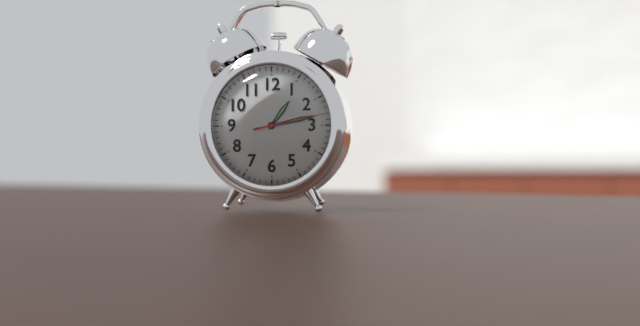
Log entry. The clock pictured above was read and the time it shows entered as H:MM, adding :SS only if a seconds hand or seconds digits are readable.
1:13:13
